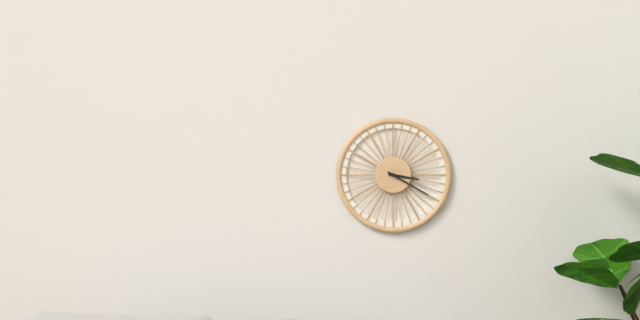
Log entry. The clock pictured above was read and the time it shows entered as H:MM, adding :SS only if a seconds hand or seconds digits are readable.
3:20
